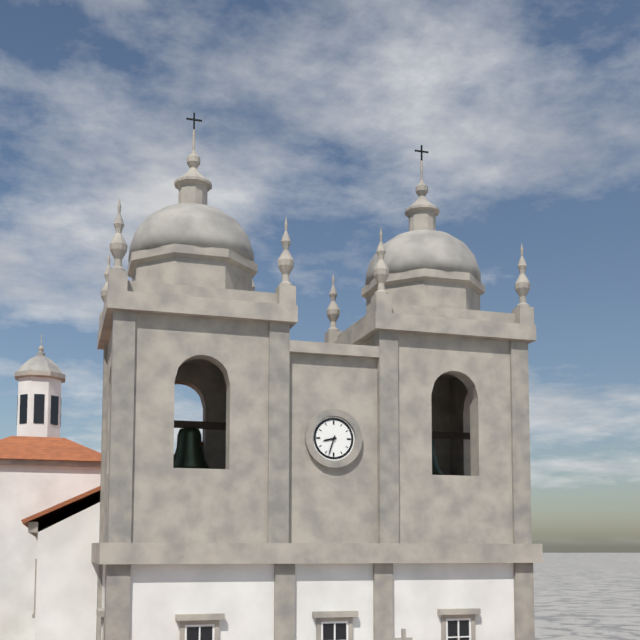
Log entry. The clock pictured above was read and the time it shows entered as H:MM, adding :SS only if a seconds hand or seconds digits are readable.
8:33
